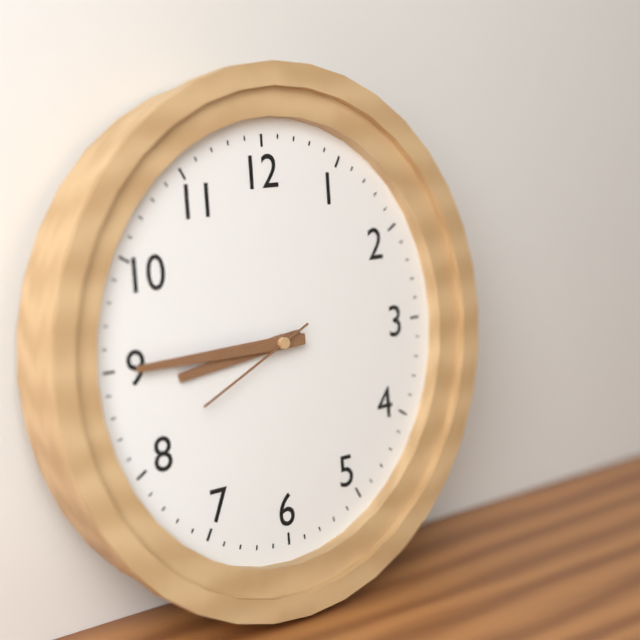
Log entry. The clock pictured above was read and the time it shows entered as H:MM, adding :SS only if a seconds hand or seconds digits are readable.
8:45:41
